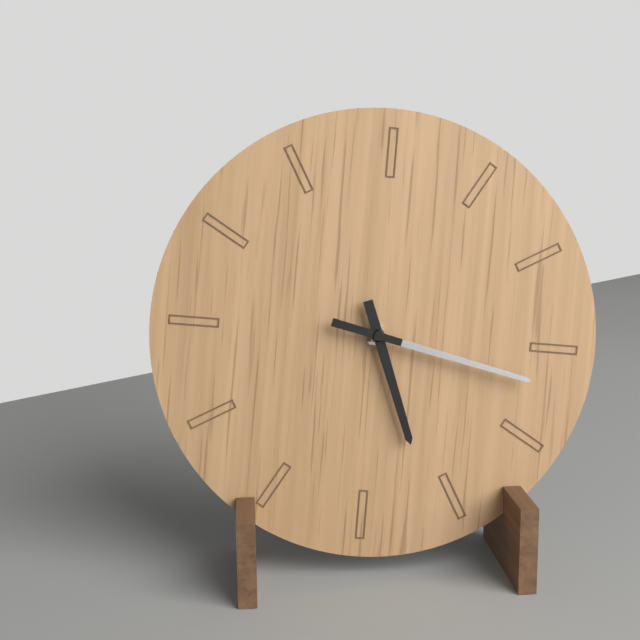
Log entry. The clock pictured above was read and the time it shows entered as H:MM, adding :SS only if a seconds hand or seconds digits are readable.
5:17
